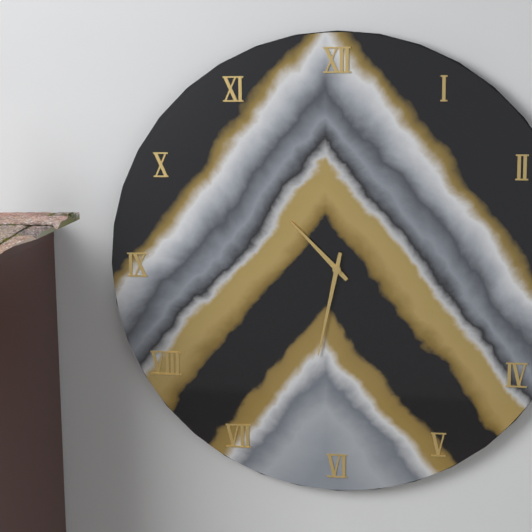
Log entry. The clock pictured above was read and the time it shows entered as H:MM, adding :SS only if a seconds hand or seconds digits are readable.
10:32
